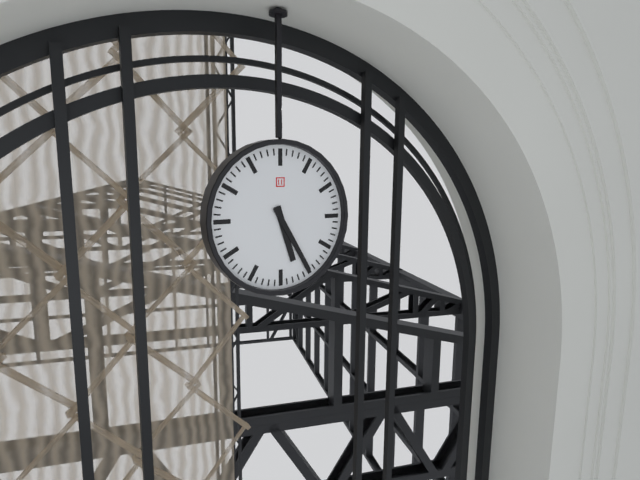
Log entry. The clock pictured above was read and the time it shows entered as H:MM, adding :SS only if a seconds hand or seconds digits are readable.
5:25
